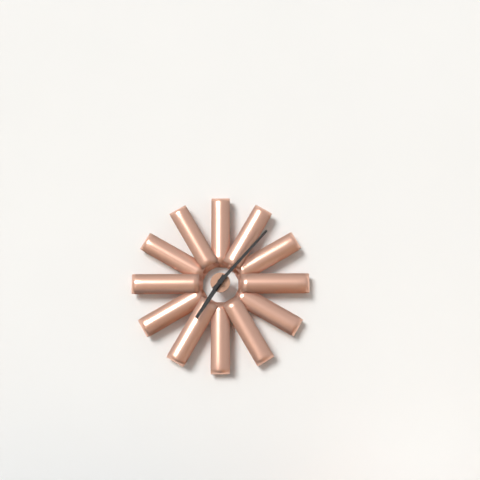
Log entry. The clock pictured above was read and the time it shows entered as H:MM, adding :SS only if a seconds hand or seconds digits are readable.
7:07
